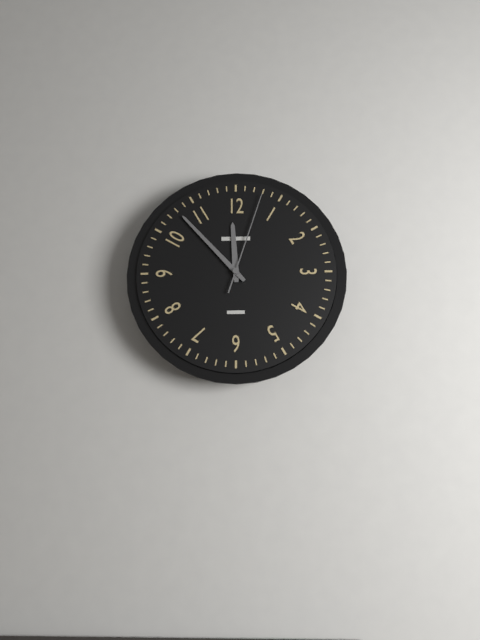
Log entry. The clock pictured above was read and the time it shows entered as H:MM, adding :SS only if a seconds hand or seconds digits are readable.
11:53:03
